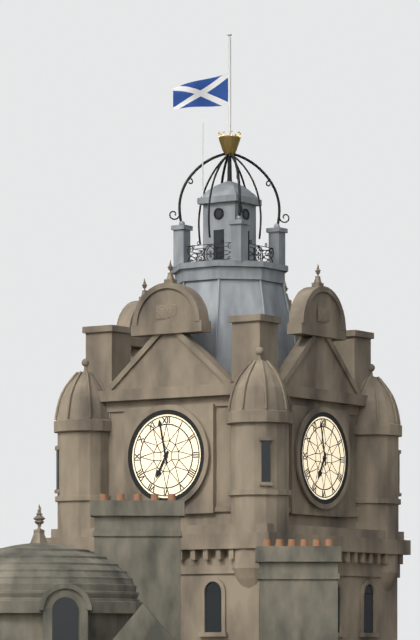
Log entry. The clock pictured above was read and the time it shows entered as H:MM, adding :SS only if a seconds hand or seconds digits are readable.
6:58
